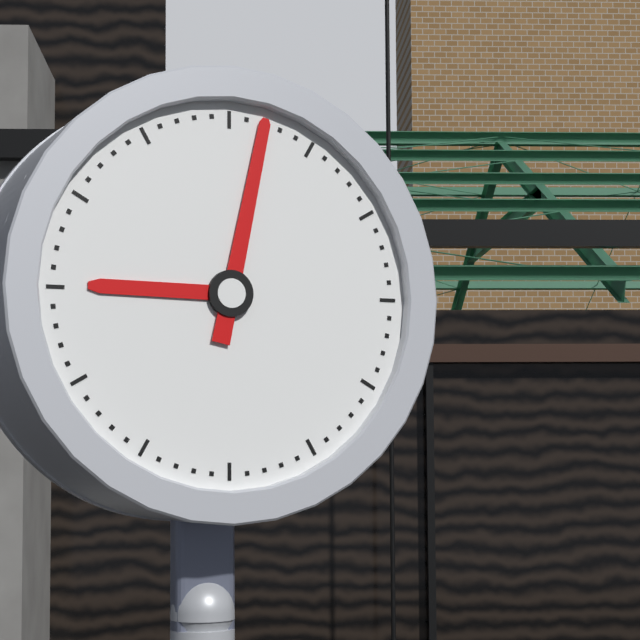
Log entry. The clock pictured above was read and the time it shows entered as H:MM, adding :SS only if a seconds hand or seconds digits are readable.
9:02
